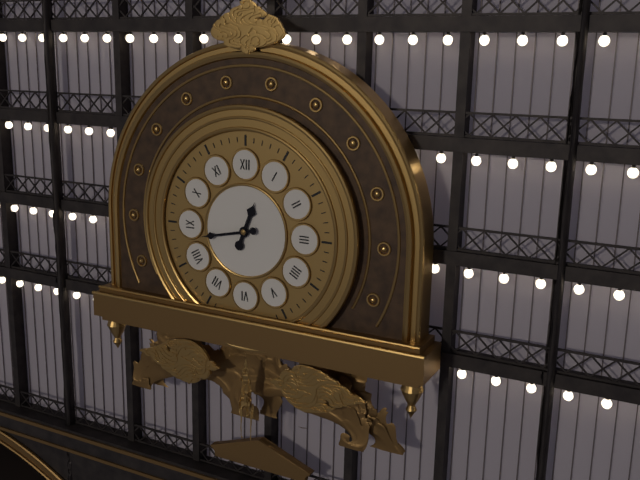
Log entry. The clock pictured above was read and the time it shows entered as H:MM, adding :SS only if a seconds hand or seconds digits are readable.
12:43
